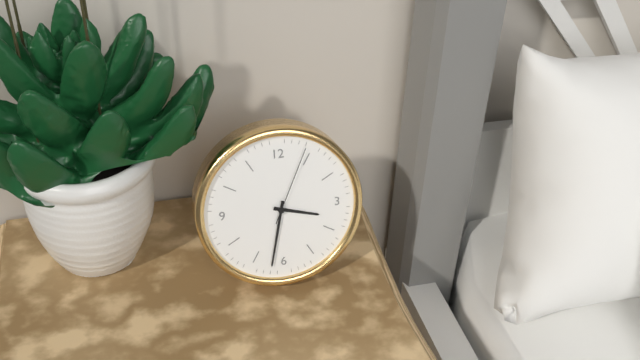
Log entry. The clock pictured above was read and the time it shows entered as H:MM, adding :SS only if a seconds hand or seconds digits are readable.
3:32:04
